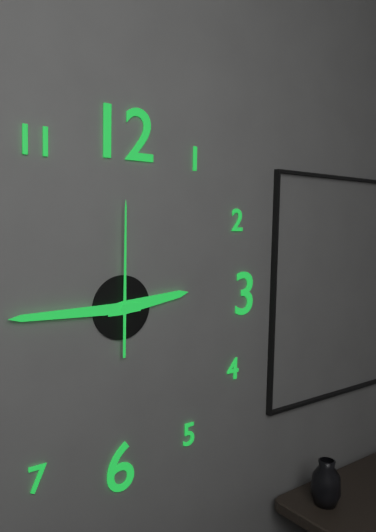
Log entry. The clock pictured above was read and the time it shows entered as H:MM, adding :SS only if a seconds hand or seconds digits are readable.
2:45:00
